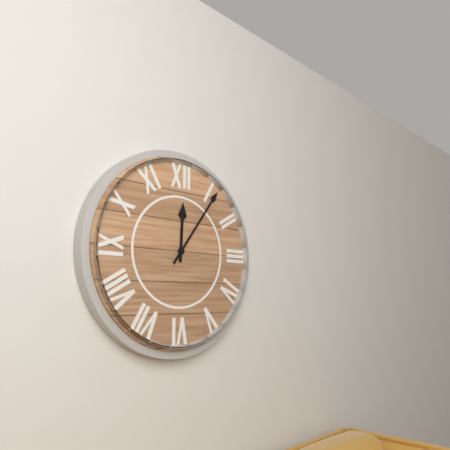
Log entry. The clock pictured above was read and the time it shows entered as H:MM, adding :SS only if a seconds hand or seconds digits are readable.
12:06
